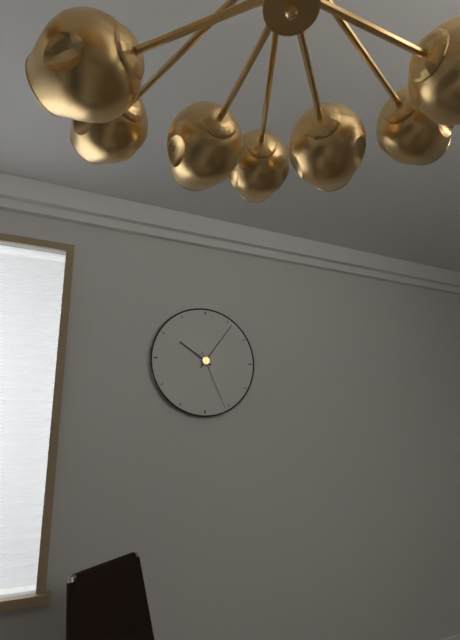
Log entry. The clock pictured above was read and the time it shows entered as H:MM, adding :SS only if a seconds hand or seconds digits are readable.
10:06:26
